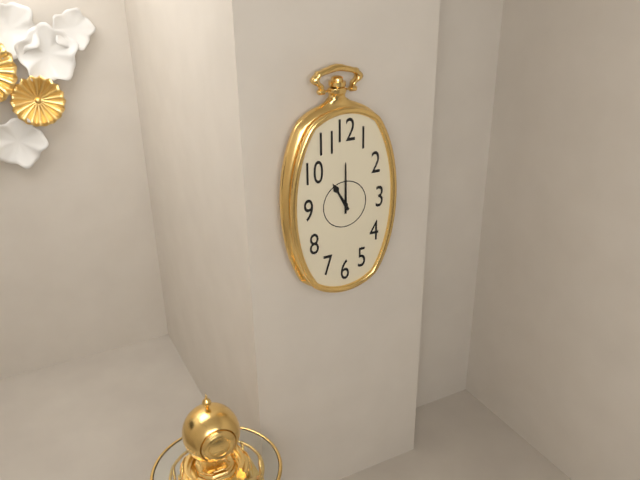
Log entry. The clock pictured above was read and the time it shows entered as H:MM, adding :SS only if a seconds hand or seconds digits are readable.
11:00
